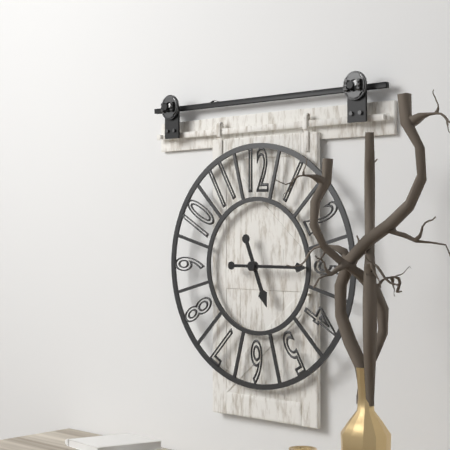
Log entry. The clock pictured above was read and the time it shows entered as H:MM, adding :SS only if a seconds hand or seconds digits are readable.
5:15
